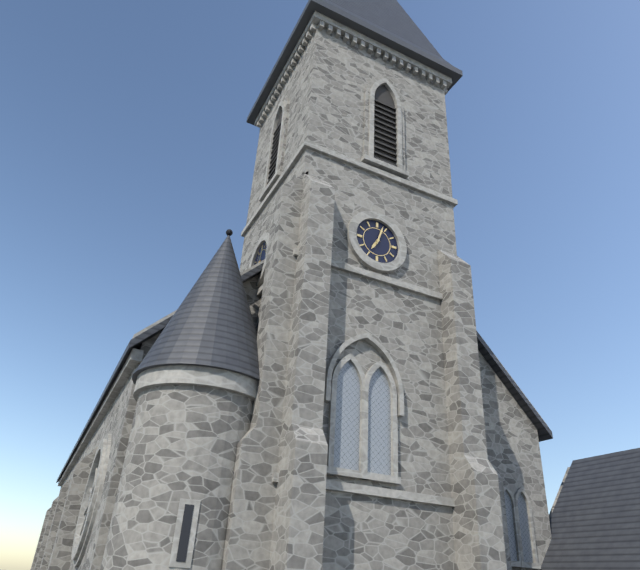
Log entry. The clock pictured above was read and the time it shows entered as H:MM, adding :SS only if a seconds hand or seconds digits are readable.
7:03
